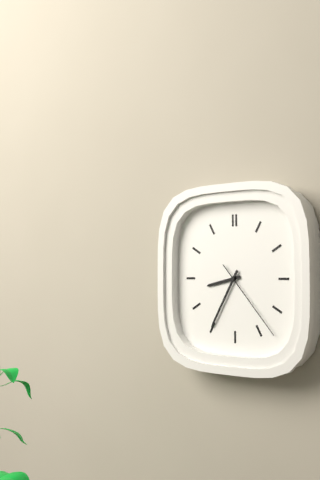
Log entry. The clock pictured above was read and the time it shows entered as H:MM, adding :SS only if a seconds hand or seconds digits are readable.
8:35:23
